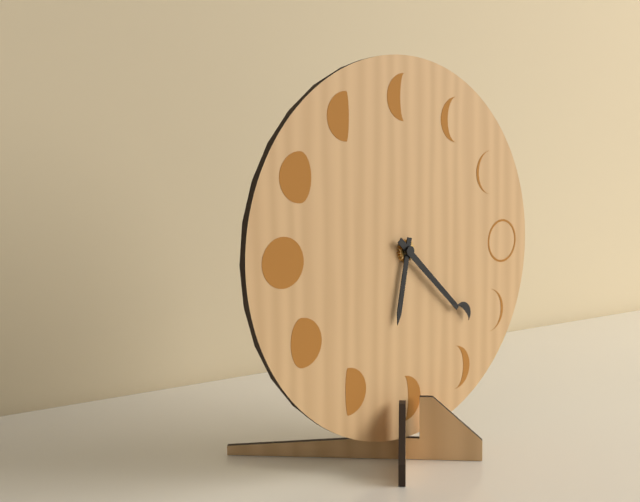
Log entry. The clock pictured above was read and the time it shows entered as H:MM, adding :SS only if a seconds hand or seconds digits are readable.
6:22
